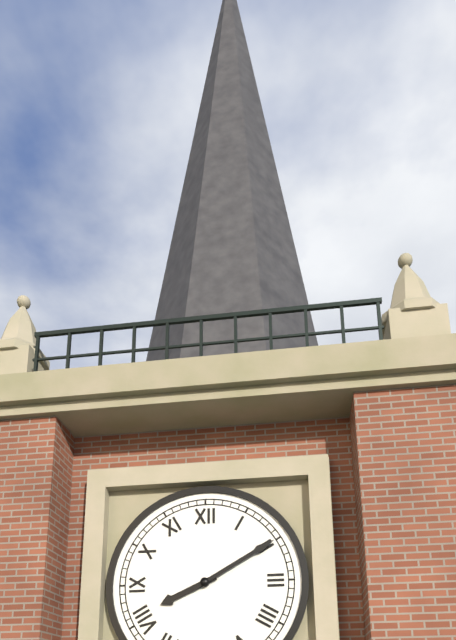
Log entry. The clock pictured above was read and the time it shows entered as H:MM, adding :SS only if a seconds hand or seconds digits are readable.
8:10
